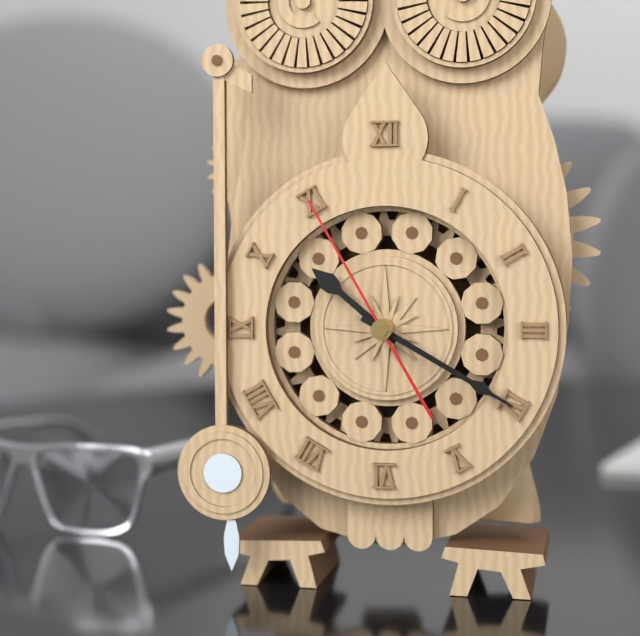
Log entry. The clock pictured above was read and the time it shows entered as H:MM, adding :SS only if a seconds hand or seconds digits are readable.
10:20:55
